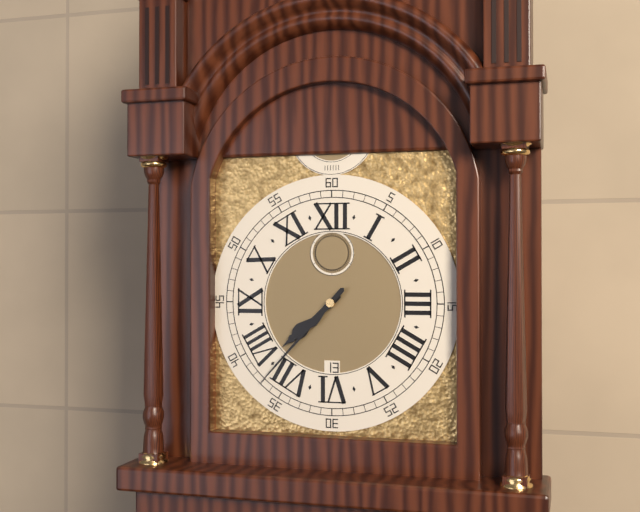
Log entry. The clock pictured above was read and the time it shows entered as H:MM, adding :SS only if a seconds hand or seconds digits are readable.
7:37
